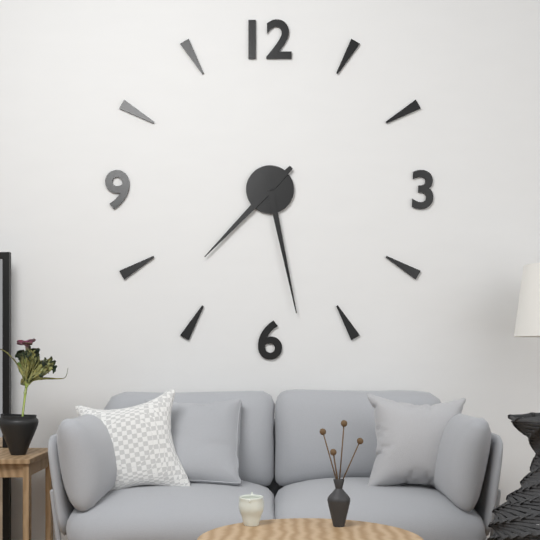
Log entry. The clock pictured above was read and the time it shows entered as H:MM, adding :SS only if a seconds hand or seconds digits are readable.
7:28
